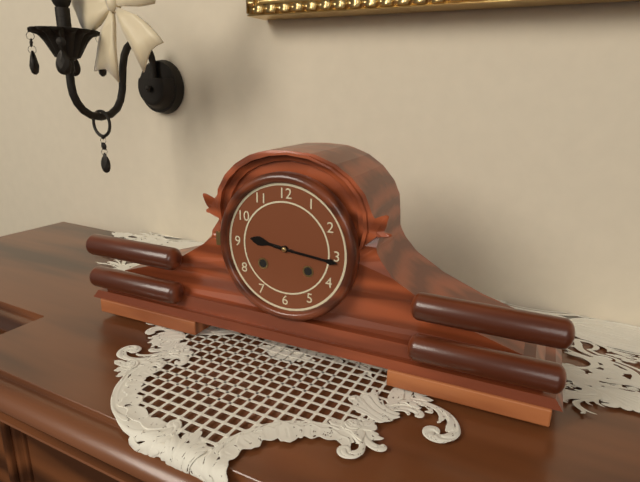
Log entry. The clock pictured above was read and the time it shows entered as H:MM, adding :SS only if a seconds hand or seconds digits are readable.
9:16
